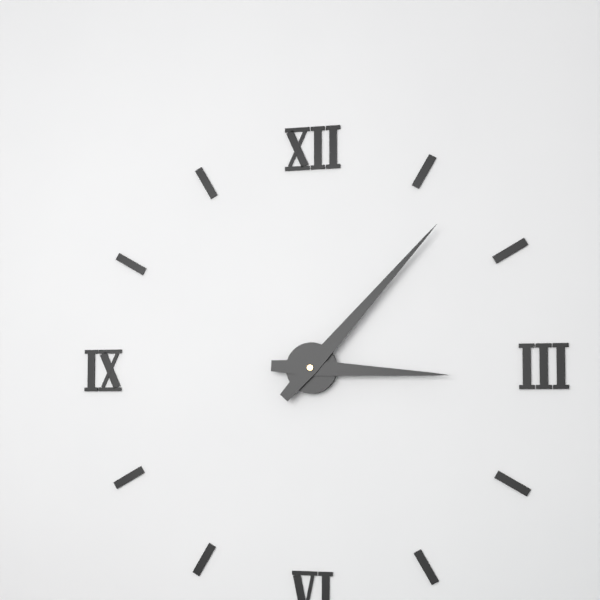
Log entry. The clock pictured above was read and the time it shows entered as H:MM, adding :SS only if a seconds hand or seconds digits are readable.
3:07
